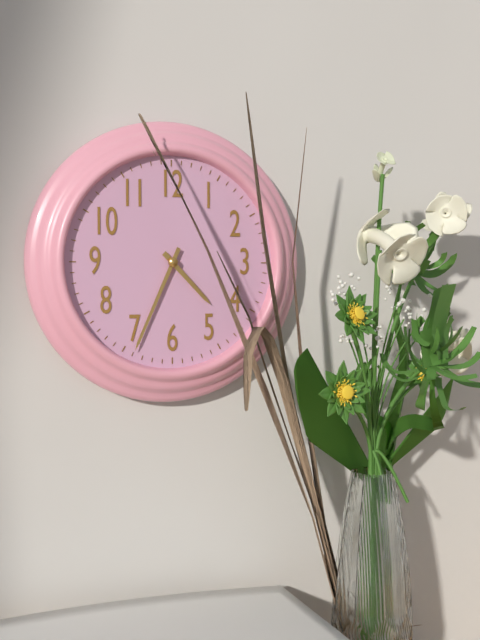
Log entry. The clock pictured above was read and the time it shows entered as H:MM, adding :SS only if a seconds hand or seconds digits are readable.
4:34
